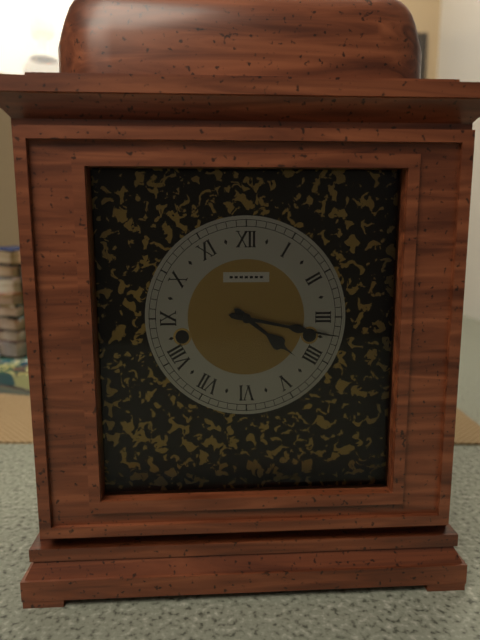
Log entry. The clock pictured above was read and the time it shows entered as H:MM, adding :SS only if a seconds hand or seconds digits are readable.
4:17
